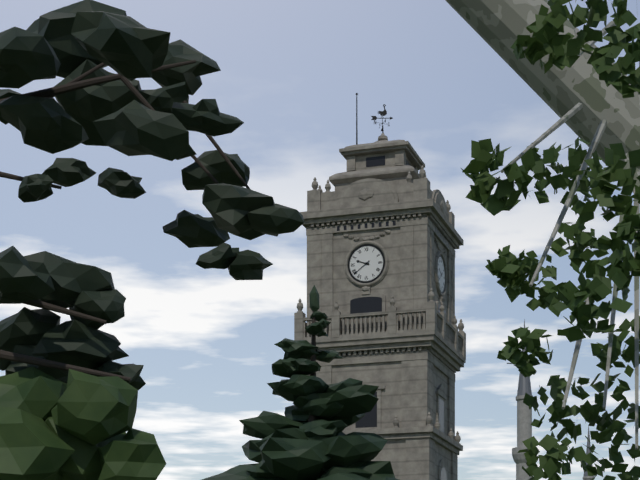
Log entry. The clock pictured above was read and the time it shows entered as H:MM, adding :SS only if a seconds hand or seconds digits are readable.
9:39
